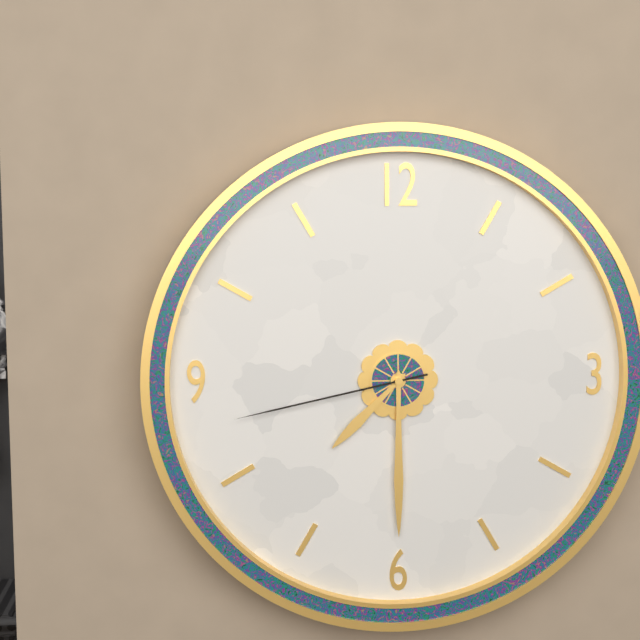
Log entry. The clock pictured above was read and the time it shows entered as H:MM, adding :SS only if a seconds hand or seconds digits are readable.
7:30:43
